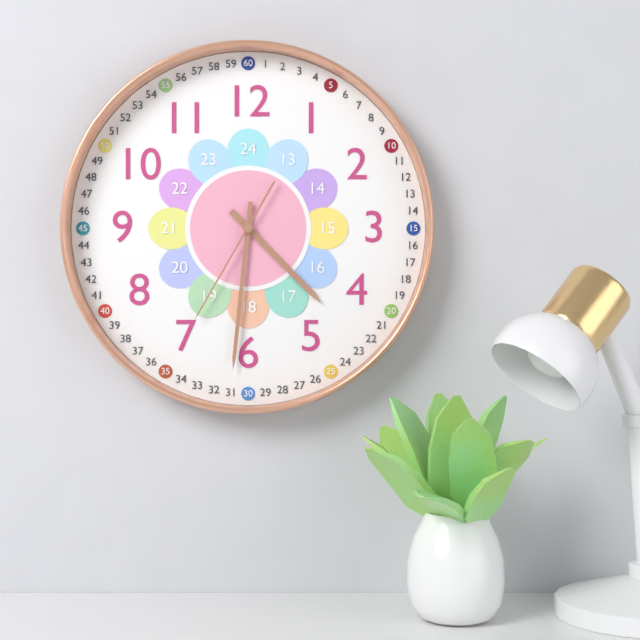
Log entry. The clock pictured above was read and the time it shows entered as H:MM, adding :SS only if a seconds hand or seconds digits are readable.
4:31:35
